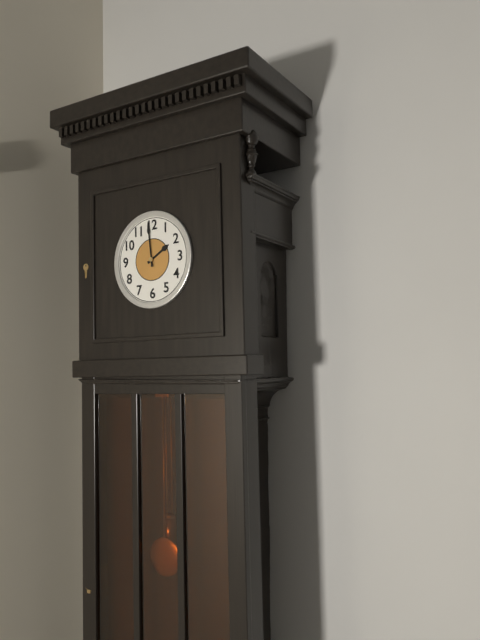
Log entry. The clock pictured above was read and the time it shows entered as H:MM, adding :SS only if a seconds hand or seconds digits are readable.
1:59
